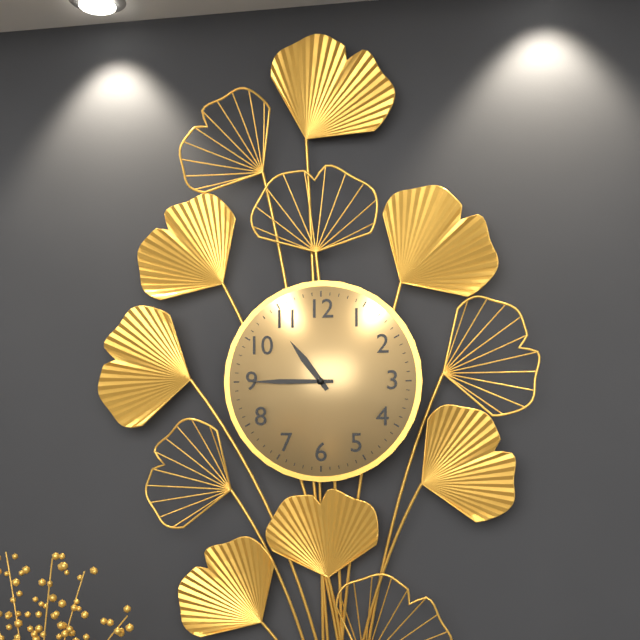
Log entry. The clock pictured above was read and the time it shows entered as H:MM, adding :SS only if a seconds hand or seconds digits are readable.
10:45
